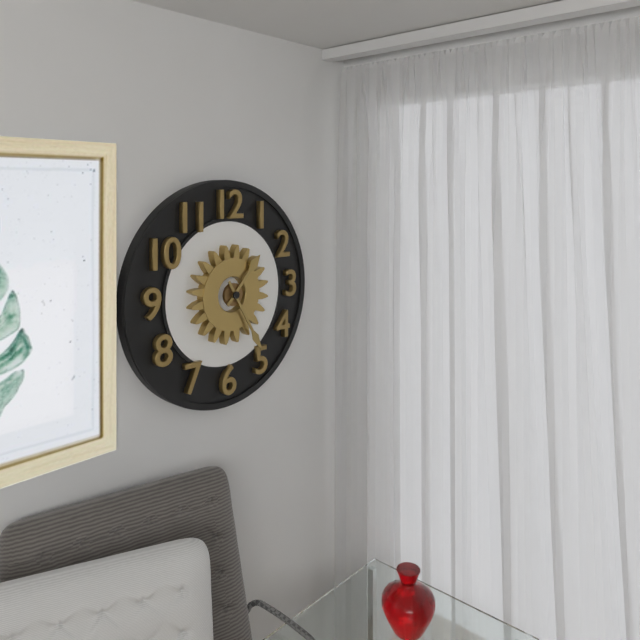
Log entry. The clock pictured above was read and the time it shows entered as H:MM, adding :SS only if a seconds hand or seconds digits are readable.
1:25
